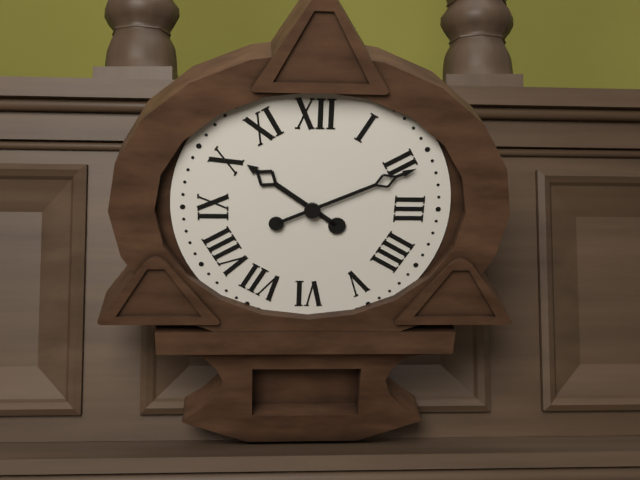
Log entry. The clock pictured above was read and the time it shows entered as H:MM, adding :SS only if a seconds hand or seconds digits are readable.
10:11
